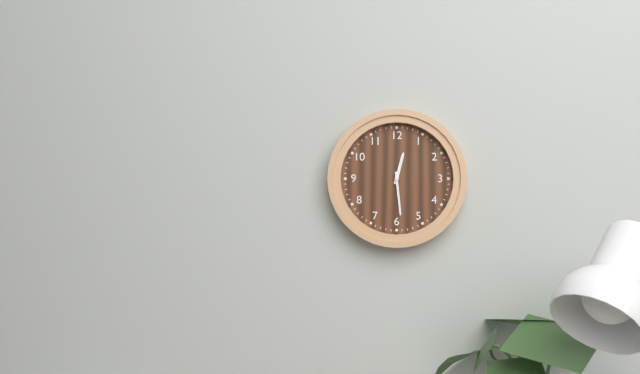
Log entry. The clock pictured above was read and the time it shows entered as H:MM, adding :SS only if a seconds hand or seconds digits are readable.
12:29
